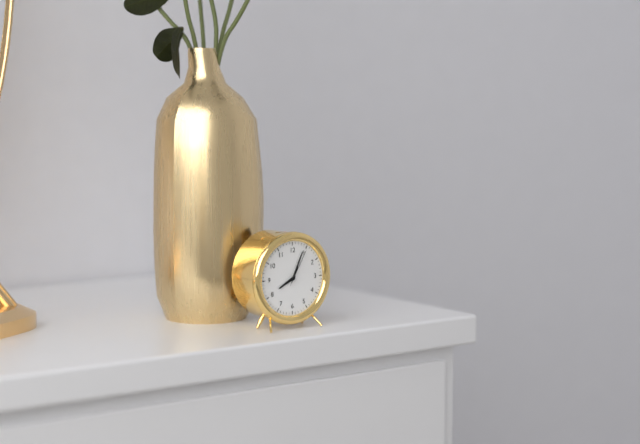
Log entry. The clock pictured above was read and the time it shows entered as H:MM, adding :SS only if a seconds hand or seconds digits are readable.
8:04
